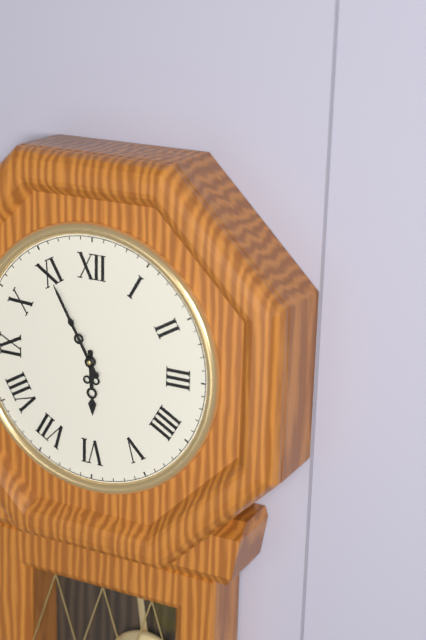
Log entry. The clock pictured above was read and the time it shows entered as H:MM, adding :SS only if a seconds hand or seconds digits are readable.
5:55
